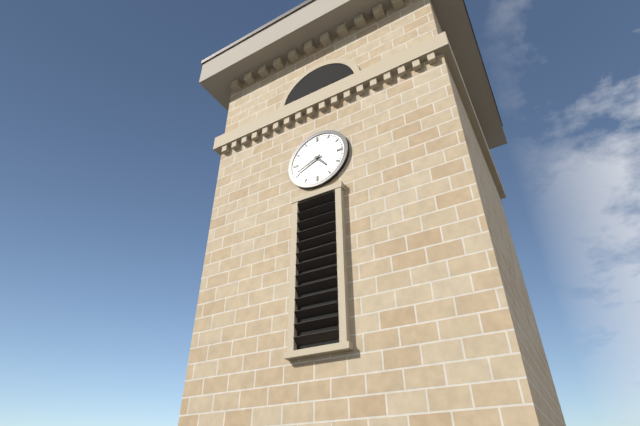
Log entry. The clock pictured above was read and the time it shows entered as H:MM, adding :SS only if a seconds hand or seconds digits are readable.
4:41
